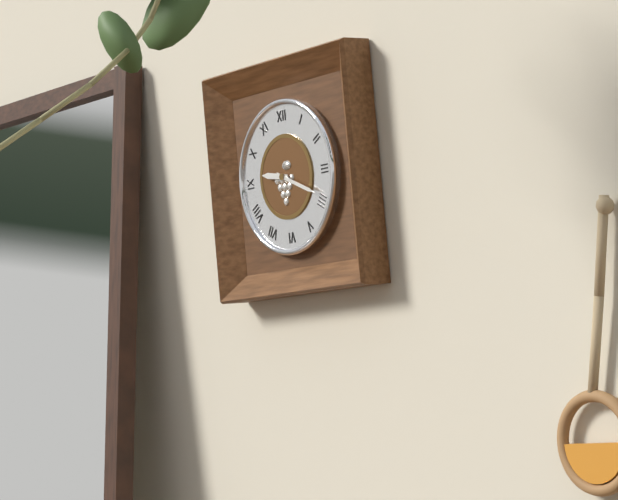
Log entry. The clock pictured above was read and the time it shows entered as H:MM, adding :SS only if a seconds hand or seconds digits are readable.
9:19
